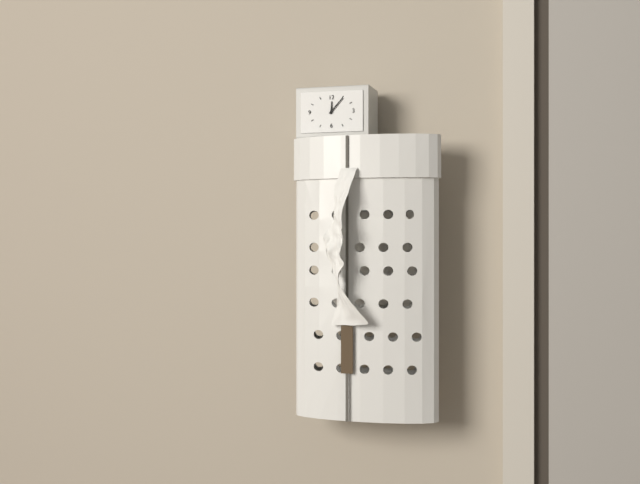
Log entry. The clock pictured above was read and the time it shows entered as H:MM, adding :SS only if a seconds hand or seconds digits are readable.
12:07
